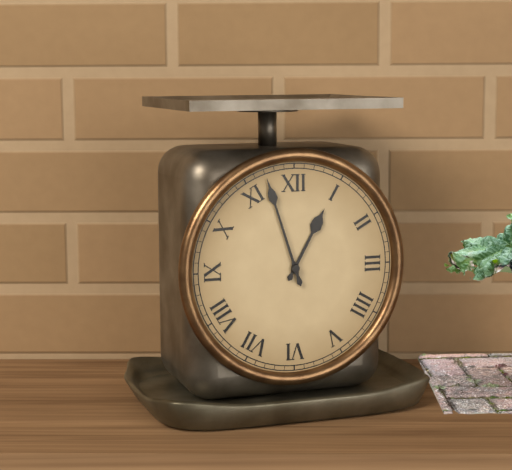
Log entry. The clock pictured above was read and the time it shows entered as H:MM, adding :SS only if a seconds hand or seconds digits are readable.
12:57
